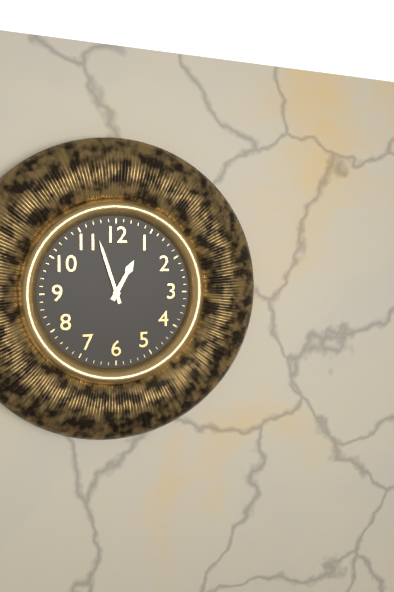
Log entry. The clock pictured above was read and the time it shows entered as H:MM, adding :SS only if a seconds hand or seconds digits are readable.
12:57
